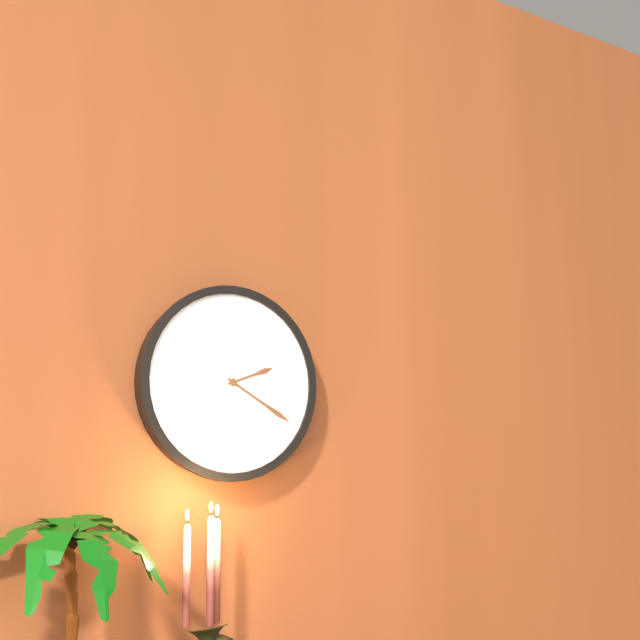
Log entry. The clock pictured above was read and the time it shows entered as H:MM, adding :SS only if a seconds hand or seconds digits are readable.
2:20
